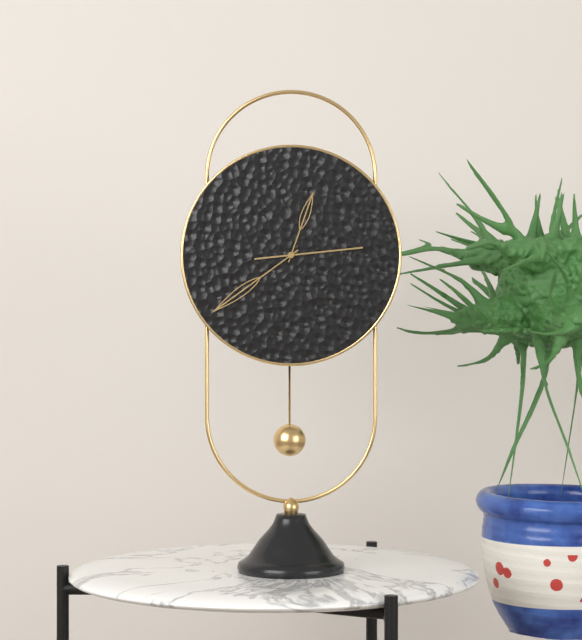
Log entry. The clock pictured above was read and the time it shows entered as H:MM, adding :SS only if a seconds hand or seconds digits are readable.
12:39:14
